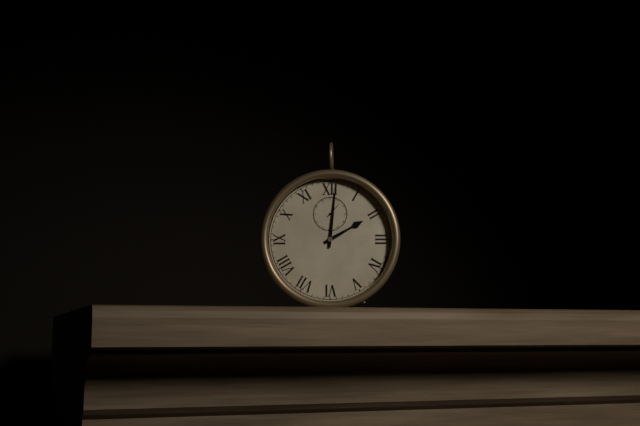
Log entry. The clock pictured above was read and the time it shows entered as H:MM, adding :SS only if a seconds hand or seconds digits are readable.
2:01
